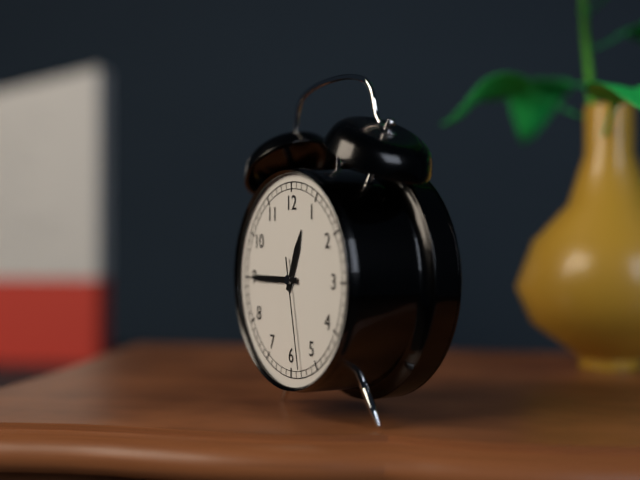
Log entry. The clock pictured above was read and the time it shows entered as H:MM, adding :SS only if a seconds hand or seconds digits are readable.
12:45:28
